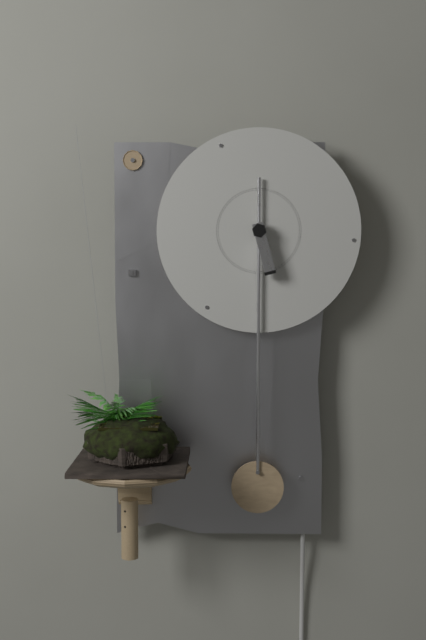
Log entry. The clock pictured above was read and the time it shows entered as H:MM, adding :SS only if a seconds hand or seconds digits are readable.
5:30
